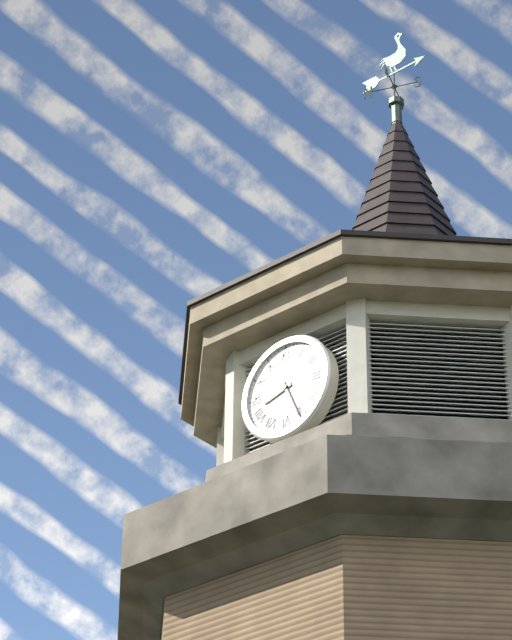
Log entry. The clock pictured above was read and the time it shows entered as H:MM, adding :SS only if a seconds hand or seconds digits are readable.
8:26
